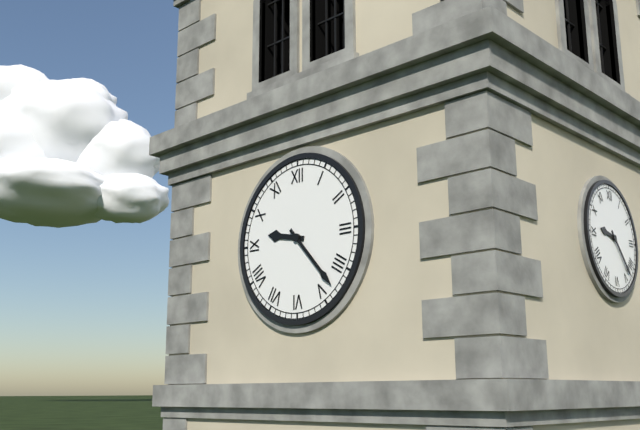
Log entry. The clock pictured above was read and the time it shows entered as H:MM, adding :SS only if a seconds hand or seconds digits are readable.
9:23
